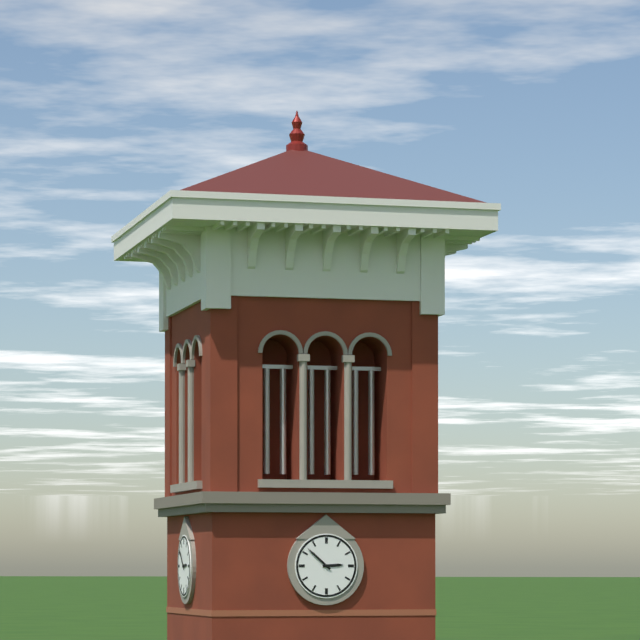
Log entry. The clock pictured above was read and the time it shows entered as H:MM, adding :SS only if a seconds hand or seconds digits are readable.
2:52
